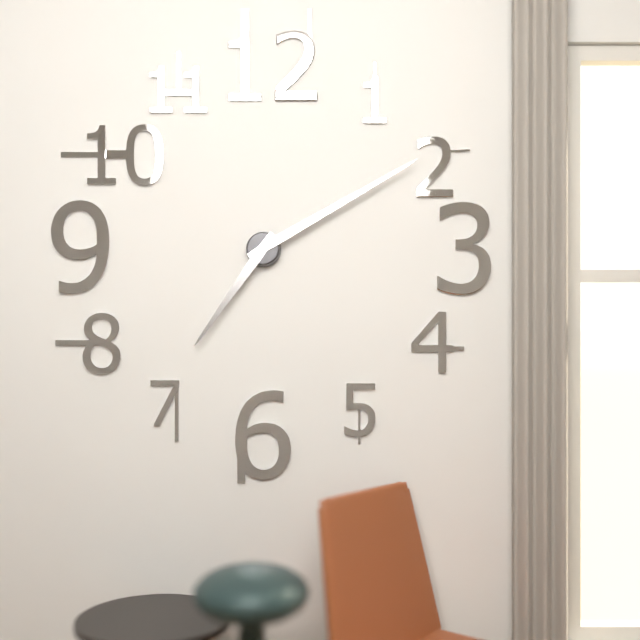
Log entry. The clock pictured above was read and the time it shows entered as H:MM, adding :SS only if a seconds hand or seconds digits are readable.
7:10
